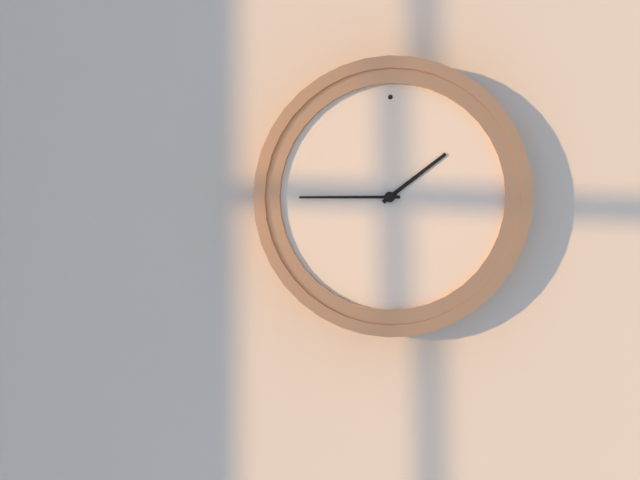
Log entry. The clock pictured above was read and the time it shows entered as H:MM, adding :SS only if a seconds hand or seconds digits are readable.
1:45
